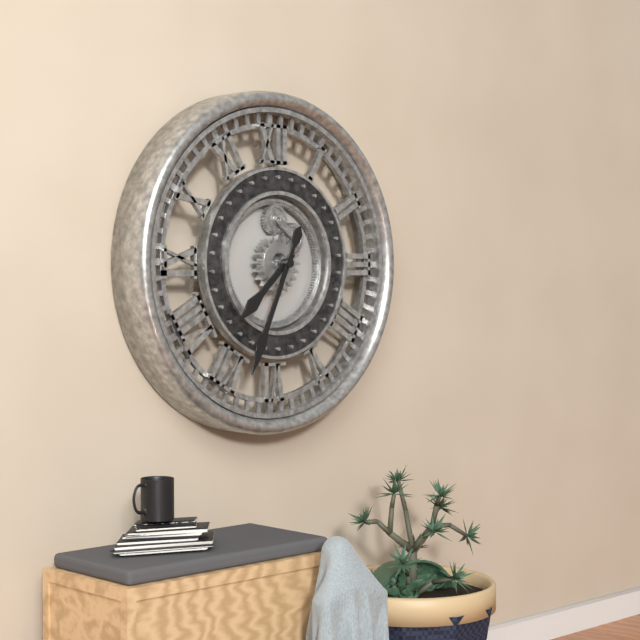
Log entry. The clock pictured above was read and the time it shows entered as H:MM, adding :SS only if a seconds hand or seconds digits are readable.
7:34
